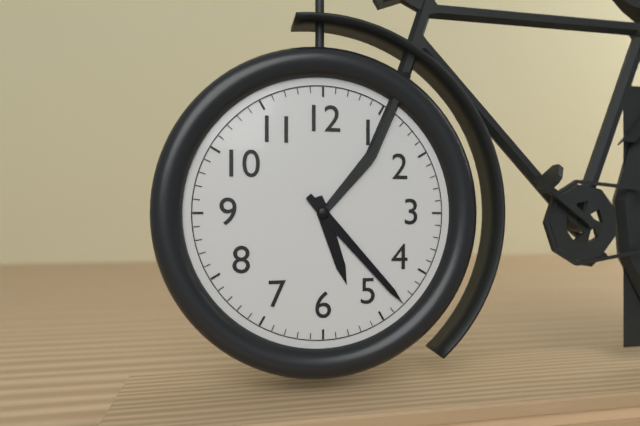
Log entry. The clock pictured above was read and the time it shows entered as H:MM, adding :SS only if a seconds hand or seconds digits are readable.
5:23
